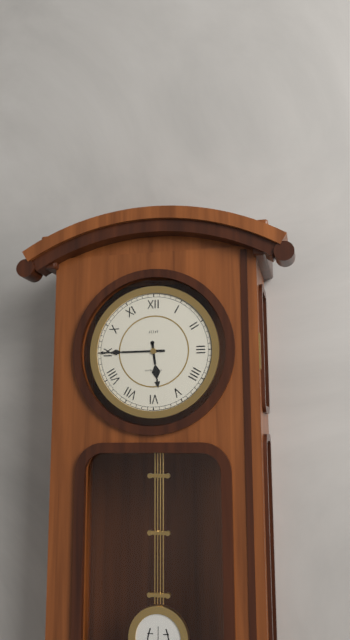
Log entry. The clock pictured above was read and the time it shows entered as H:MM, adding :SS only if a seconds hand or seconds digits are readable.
5:45
